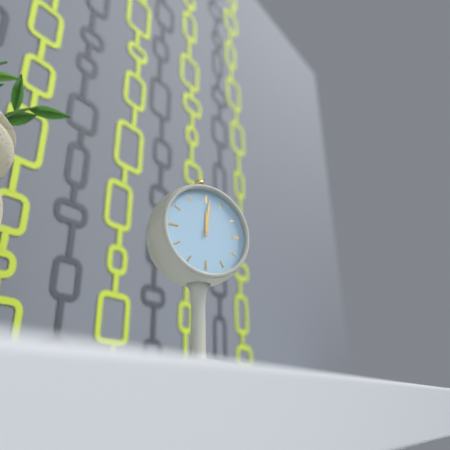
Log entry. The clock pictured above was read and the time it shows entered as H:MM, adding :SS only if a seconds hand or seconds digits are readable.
12:01
